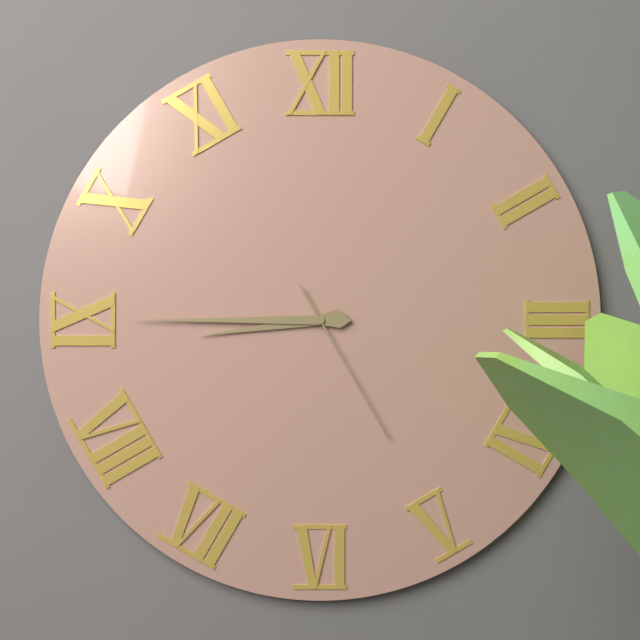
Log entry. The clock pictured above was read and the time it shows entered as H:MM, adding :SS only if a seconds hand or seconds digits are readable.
8:45:25
